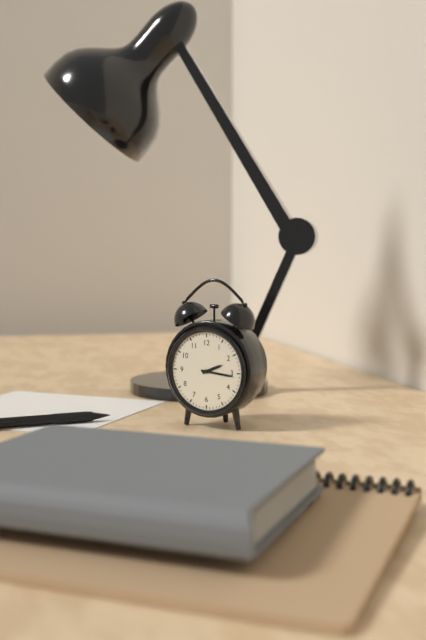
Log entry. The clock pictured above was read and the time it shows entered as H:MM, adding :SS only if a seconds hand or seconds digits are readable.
2:16
